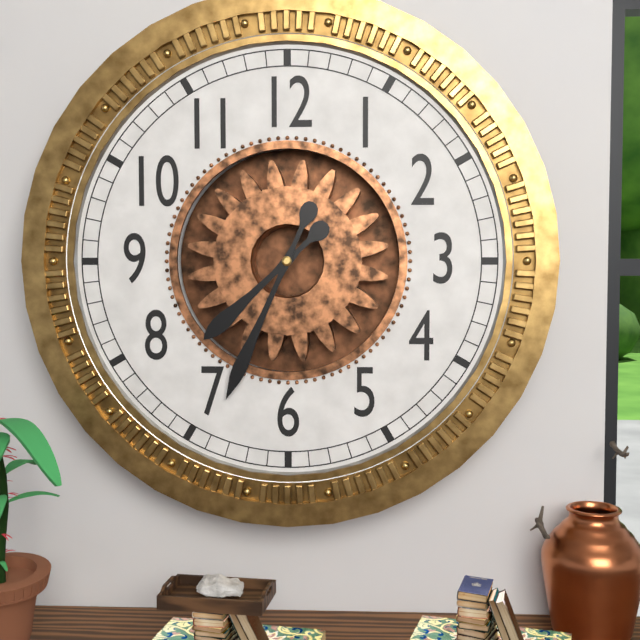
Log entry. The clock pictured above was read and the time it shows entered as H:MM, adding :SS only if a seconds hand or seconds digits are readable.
7:34
